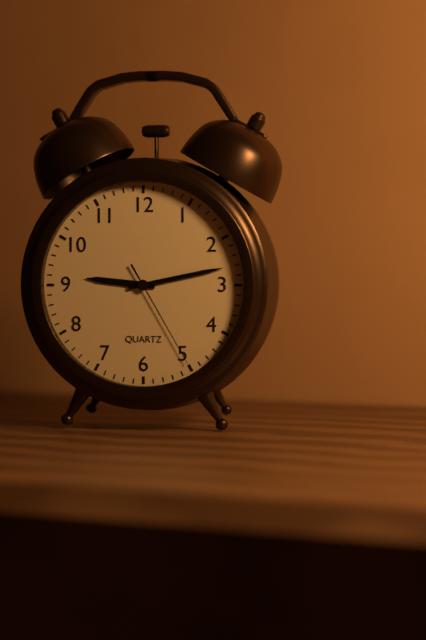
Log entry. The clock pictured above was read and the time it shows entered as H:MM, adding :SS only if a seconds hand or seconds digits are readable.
9:13:25
